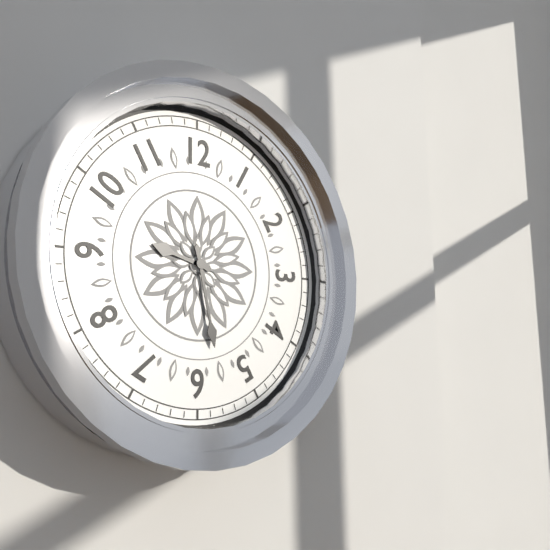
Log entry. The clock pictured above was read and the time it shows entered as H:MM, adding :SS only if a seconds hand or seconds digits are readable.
9:28
